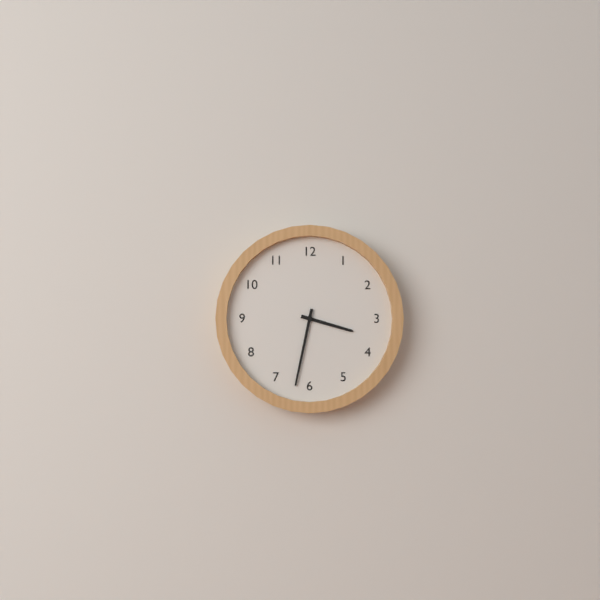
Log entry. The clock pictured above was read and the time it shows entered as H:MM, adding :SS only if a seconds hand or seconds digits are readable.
3:32
